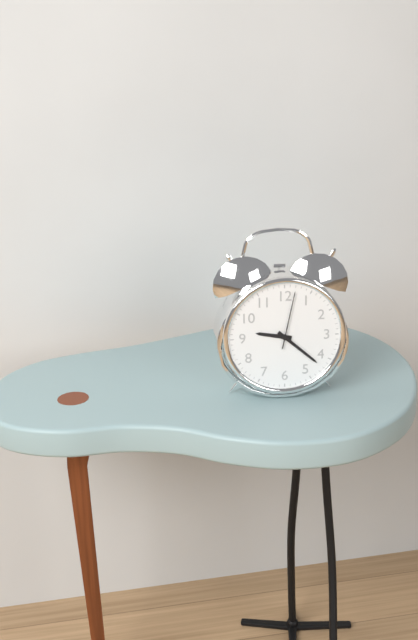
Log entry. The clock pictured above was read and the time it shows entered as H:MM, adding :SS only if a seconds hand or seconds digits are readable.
9:22:02
